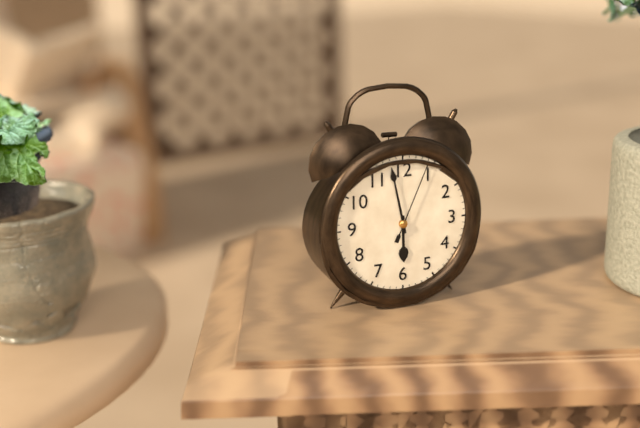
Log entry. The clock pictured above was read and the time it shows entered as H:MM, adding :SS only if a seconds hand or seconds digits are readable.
5:58:04
